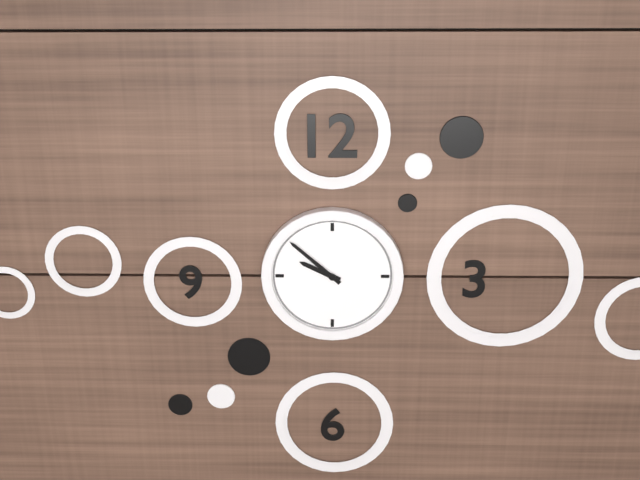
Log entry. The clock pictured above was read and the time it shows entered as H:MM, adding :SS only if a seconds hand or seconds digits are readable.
9:52
